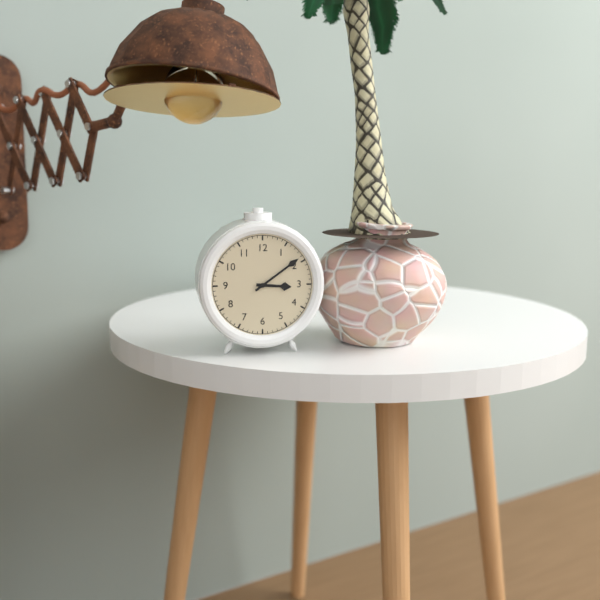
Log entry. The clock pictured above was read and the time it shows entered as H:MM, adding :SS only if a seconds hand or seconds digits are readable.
3:09
